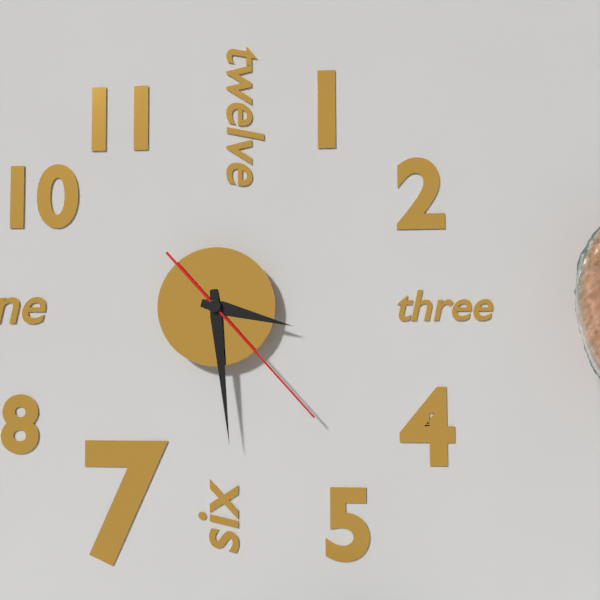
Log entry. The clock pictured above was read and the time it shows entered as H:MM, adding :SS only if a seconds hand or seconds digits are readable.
3:29:23
